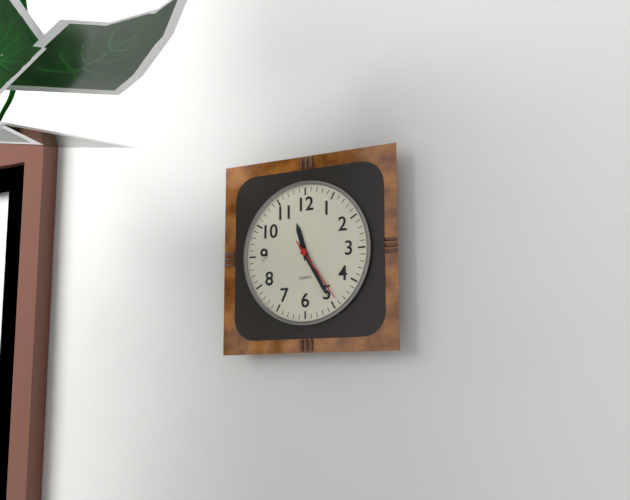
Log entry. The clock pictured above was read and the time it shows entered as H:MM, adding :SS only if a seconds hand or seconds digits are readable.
11:25:24
